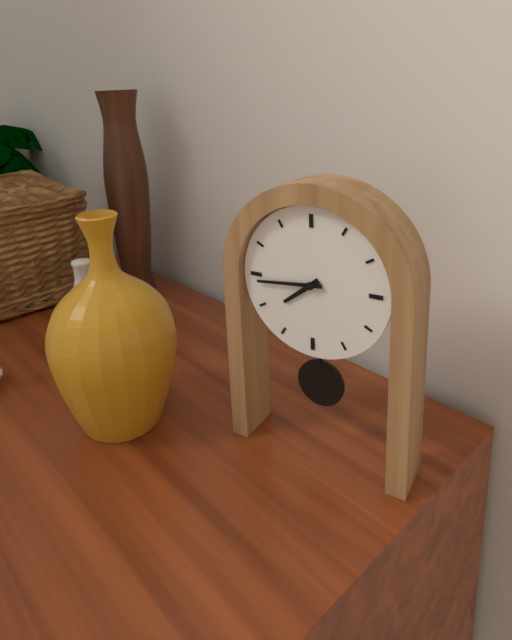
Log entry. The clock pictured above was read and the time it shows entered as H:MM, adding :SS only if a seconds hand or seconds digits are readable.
7:44
